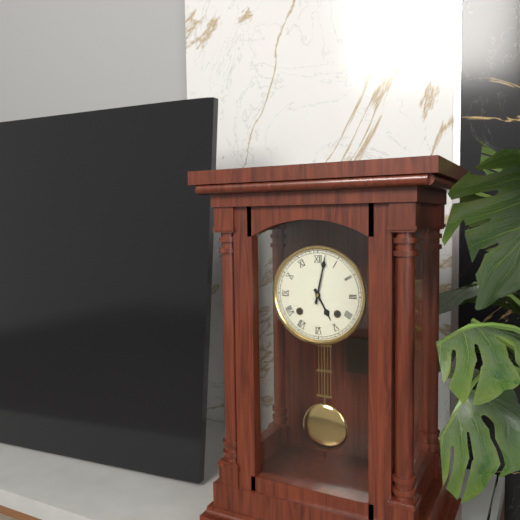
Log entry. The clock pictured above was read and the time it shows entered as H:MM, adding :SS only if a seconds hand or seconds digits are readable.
5:02
